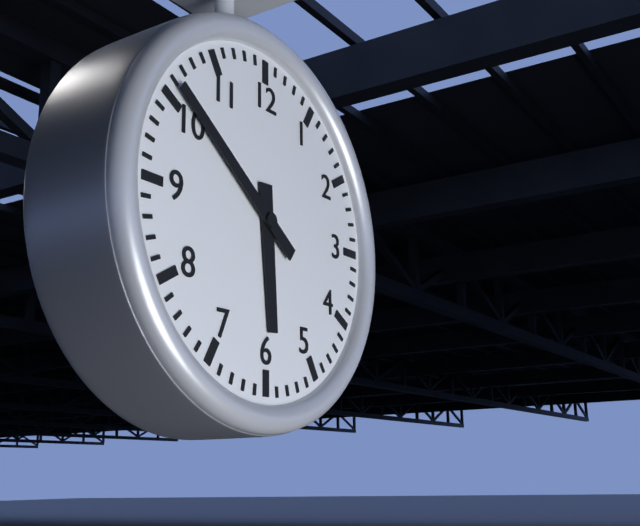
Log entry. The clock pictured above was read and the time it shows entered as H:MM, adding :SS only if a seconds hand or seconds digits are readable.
5:51
